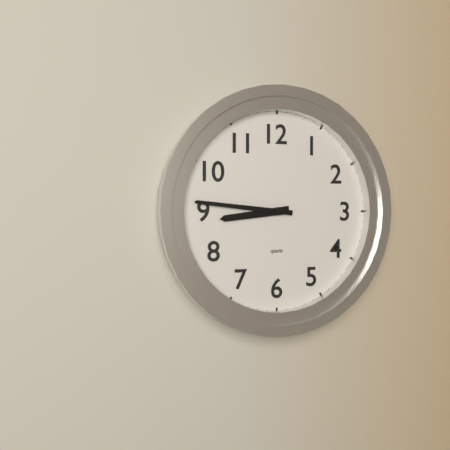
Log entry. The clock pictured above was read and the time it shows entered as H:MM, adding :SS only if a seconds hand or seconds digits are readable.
8:46
